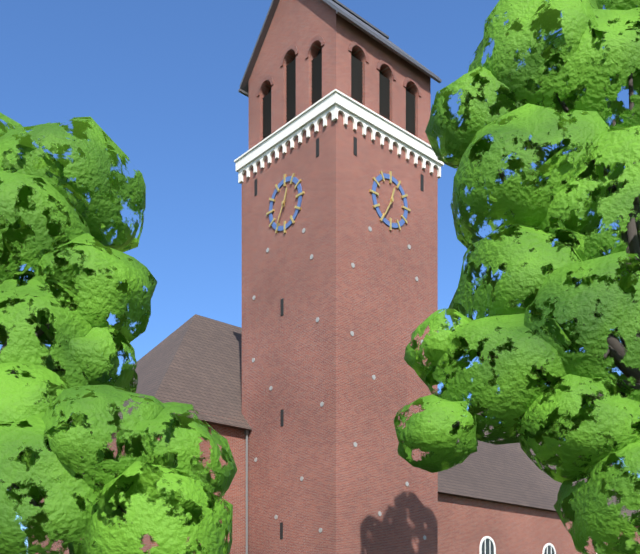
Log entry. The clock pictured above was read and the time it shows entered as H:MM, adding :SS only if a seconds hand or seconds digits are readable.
12:35
